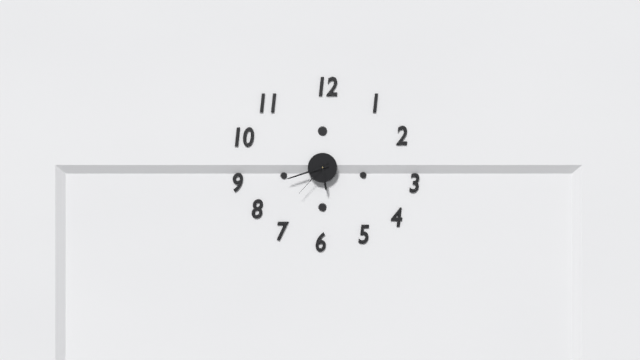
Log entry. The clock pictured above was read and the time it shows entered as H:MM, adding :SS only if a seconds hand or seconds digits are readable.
5:42
